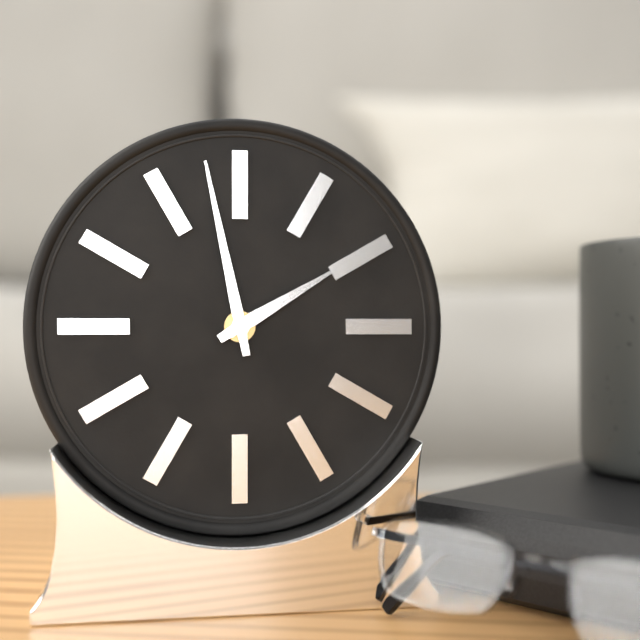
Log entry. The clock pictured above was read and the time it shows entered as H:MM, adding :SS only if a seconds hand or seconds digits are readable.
1:58
